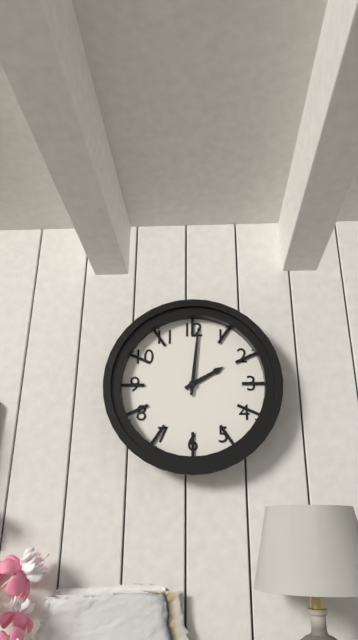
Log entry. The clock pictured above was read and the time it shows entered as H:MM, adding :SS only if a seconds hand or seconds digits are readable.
2:01
